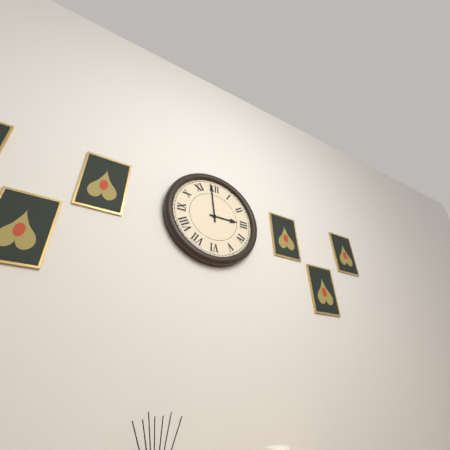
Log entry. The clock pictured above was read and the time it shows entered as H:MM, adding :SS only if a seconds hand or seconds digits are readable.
2:59
